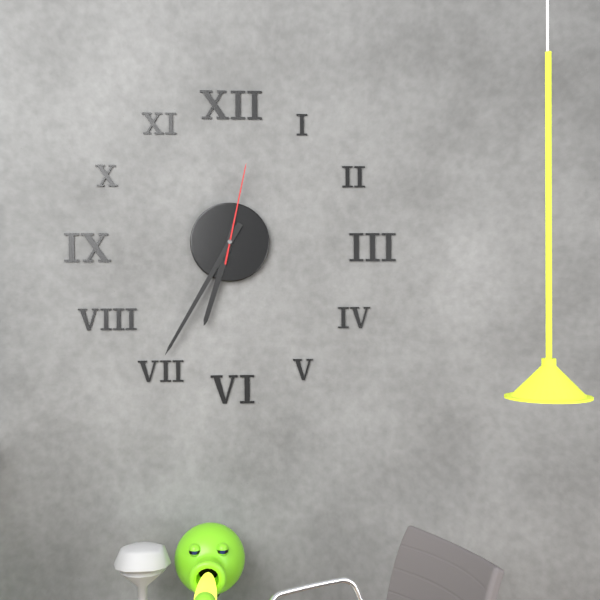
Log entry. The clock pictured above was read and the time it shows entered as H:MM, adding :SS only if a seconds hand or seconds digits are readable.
6:35:02
